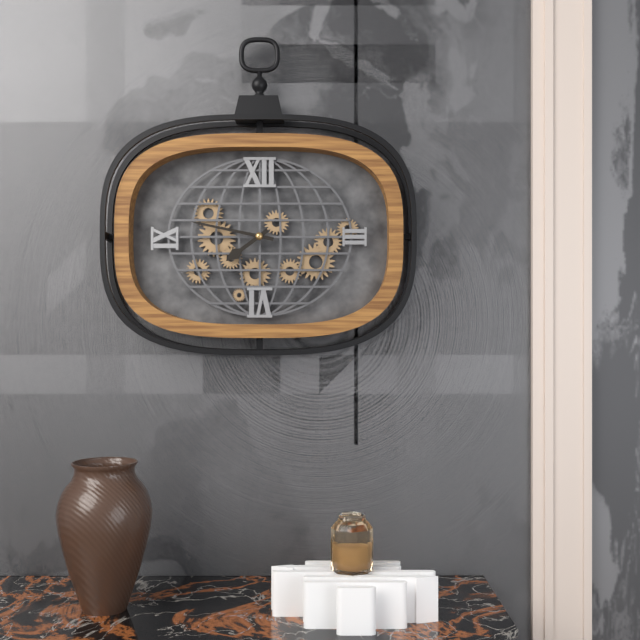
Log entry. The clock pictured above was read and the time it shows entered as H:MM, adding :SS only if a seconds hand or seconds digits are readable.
7:47
